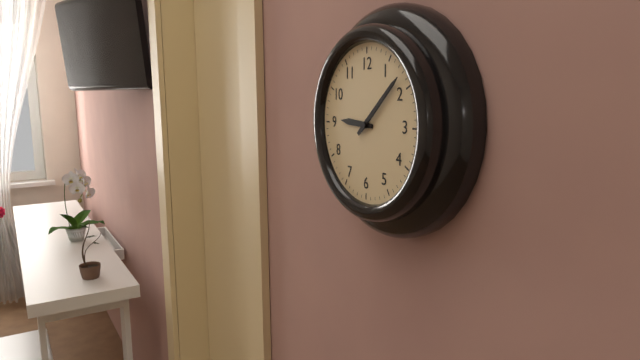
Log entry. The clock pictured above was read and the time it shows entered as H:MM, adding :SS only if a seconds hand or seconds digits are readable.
9:08
